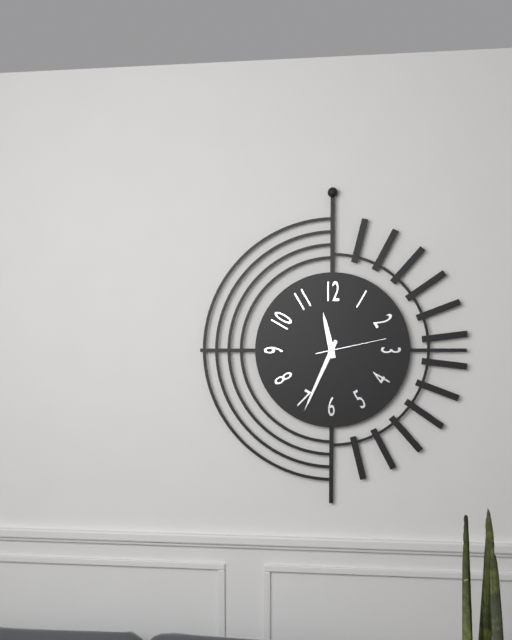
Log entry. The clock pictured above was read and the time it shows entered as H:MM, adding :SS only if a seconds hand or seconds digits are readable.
11:34:13
